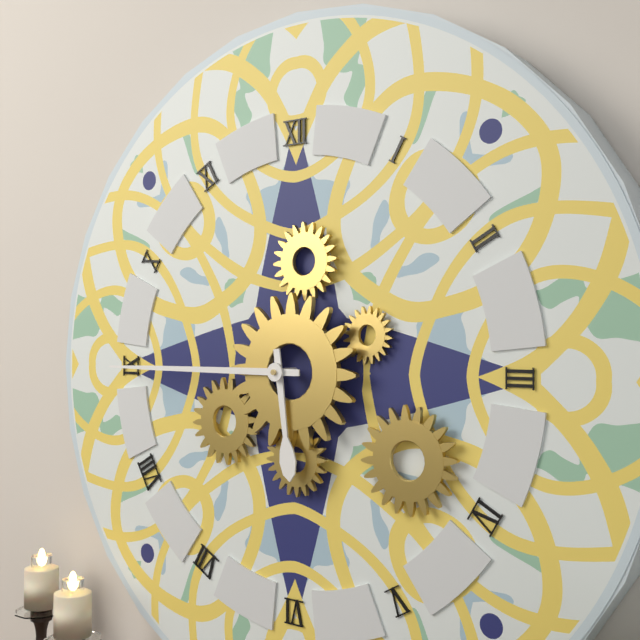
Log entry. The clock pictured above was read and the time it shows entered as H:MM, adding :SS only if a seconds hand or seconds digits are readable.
5:45
